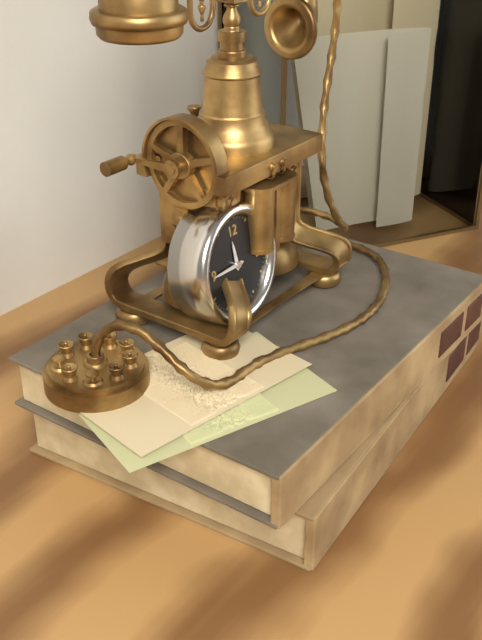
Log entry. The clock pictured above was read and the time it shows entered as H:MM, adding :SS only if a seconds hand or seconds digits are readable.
11:45
